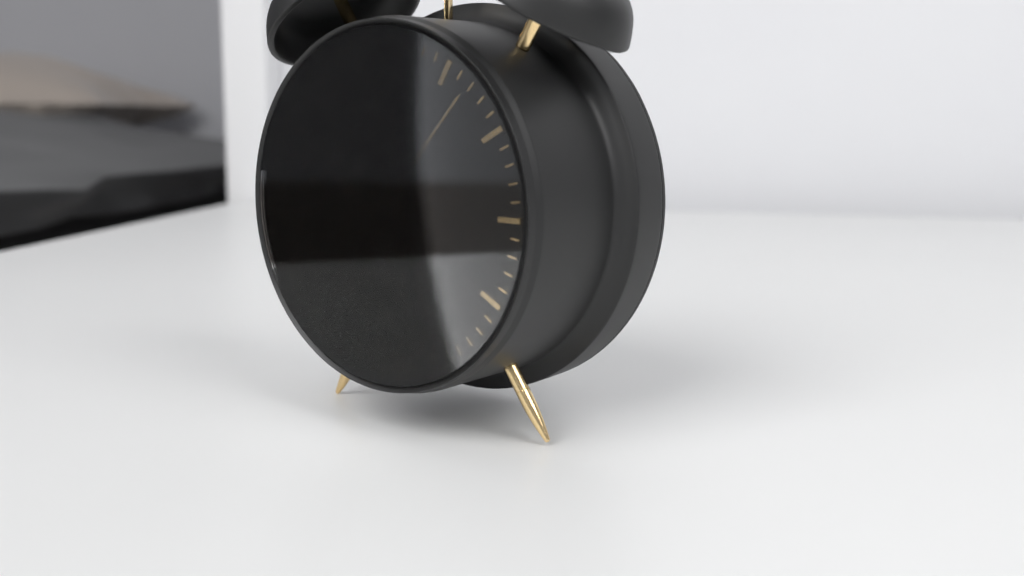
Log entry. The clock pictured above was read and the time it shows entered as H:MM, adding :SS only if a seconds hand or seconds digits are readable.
8:35:07
